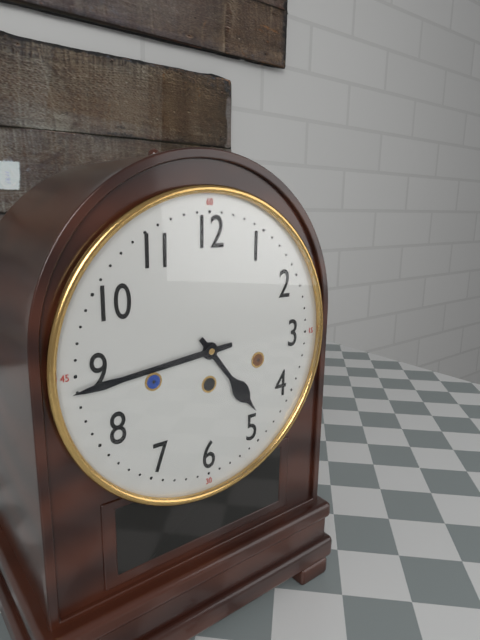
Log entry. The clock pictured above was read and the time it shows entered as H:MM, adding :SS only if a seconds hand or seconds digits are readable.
4:44
